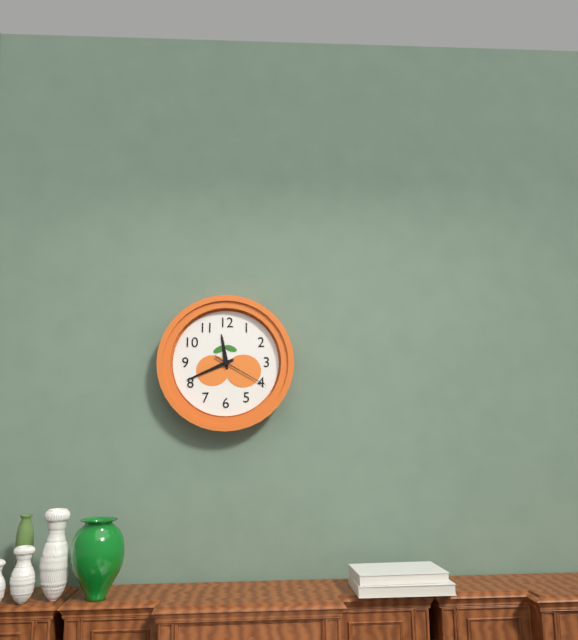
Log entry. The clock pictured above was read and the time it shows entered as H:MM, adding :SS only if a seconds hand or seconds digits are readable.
11:41:20
